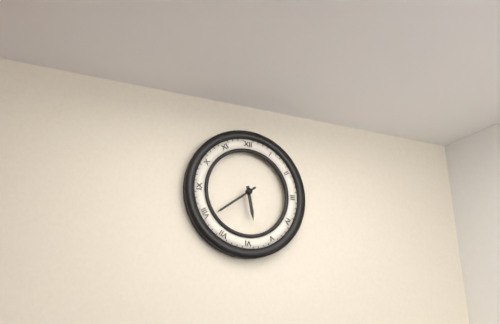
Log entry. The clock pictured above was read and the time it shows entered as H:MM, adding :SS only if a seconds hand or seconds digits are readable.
5:39
